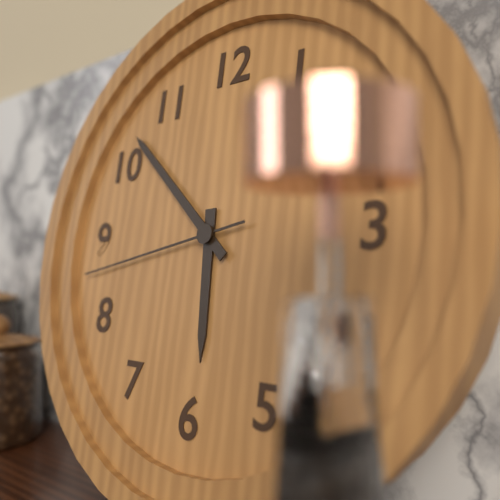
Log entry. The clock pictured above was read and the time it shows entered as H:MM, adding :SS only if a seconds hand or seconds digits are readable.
5:52:43
